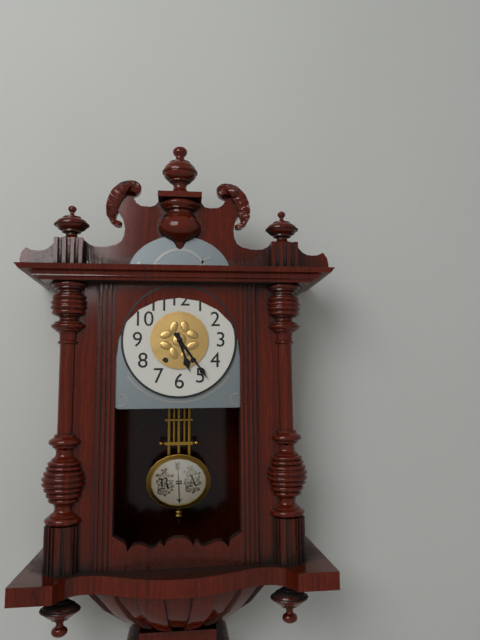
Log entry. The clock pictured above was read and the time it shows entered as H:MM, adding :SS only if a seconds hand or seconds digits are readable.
5:24
